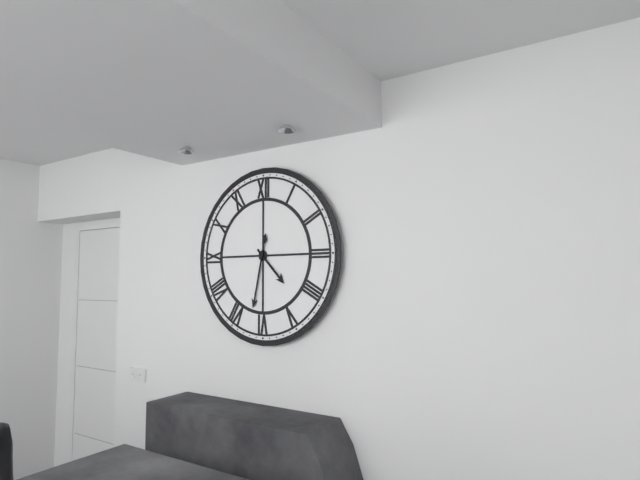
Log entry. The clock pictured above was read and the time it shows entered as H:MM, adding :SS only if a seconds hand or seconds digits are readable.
4:32
